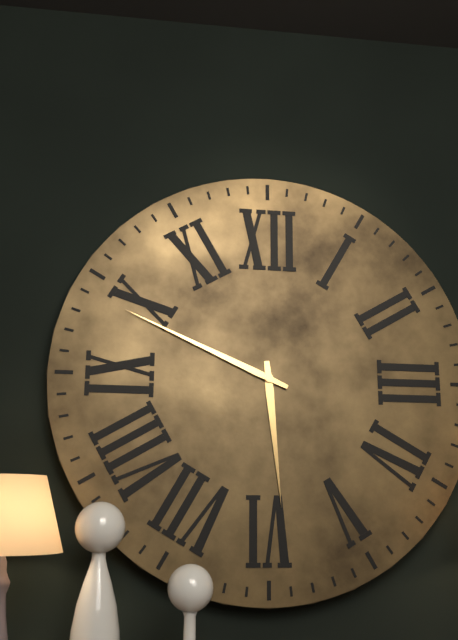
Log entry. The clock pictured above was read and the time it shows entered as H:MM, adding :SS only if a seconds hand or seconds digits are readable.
5:49
